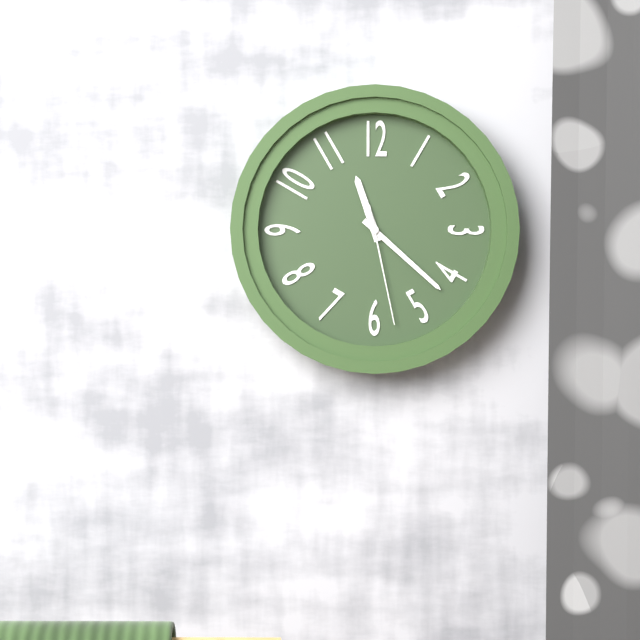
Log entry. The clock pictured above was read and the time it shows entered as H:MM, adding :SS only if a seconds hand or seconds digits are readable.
11:22:28
